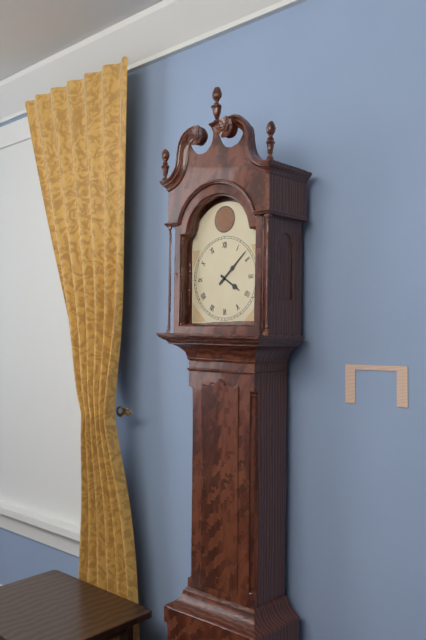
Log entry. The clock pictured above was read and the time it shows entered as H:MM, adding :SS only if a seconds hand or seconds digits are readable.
4:08
